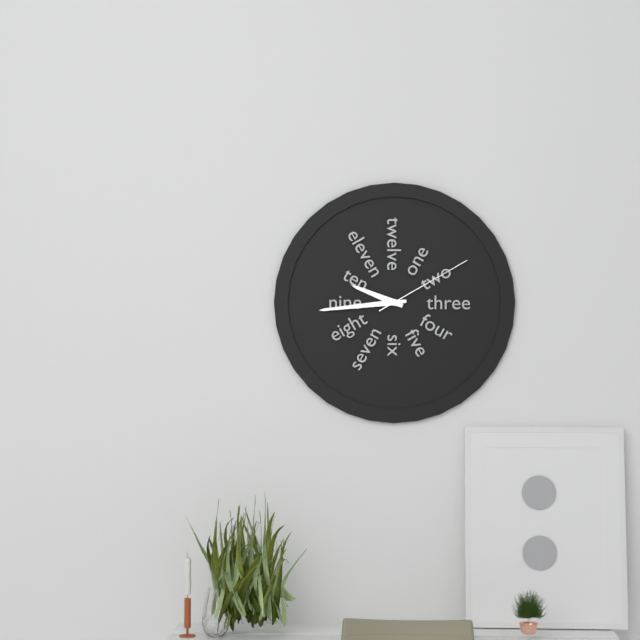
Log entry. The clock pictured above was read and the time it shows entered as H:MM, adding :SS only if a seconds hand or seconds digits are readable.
9:44:10
